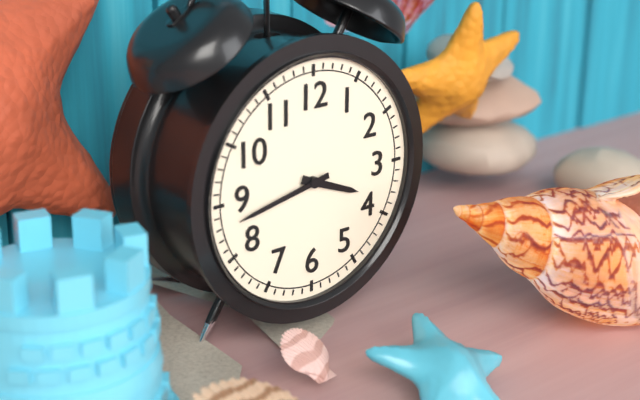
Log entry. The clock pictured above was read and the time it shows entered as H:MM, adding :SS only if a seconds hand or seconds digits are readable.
3:43
